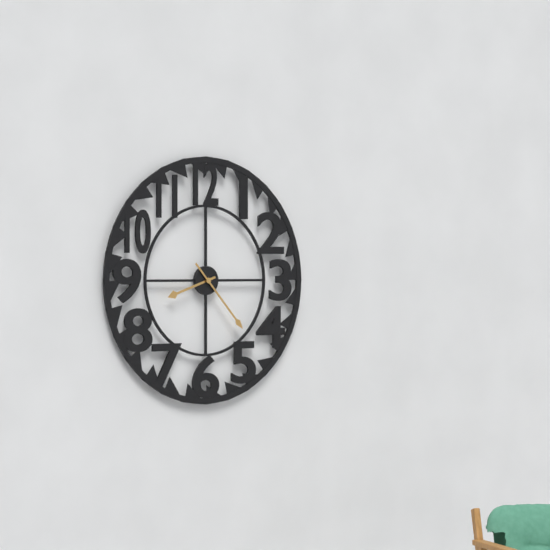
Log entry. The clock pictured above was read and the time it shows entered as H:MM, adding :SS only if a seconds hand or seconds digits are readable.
8:23
